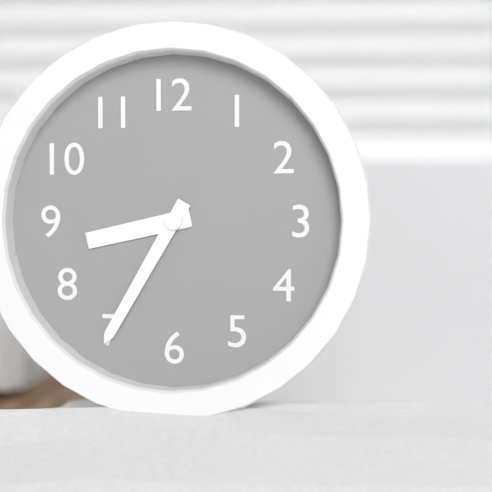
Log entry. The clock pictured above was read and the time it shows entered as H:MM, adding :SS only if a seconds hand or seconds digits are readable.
8:35
